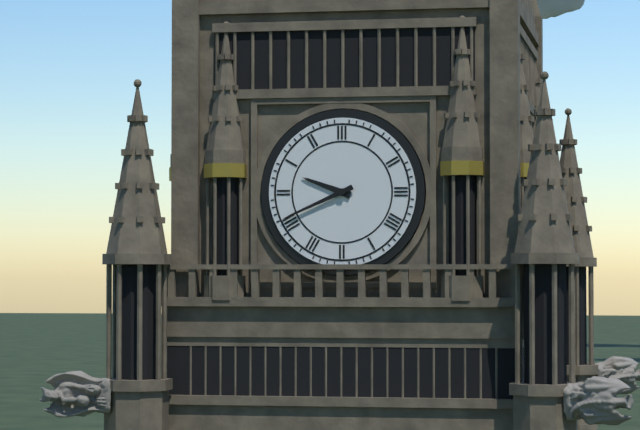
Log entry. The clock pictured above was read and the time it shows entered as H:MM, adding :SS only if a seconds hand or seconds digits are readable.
9:41
